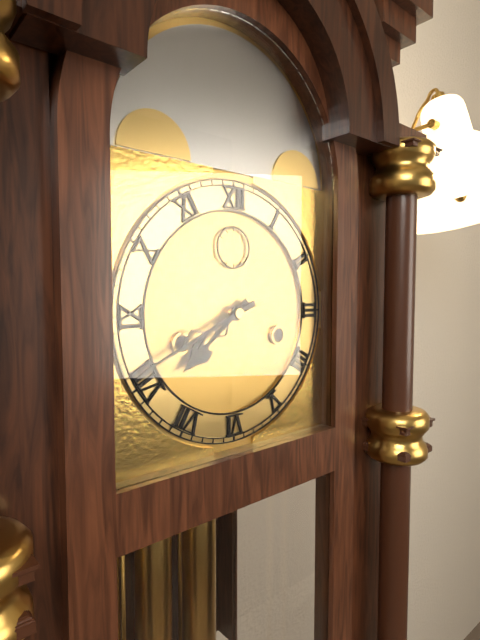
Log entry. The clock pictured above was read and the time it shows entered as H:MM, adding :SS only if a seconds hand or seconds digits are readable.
7:41
